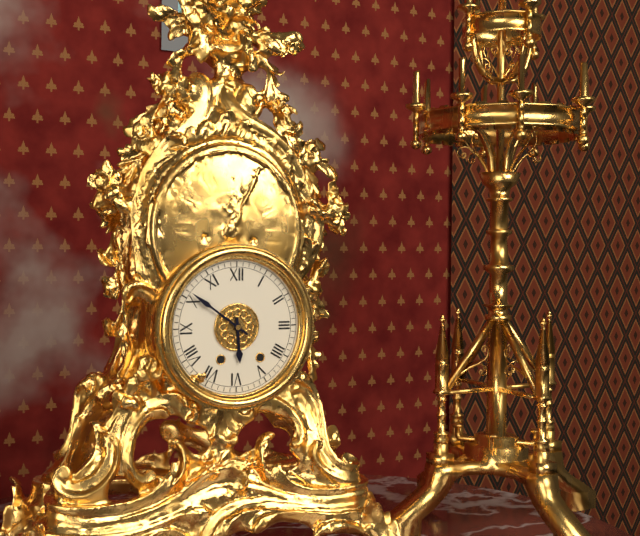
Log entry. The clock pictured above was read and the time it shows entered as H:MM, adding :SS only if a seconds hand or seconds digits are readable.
5:51
